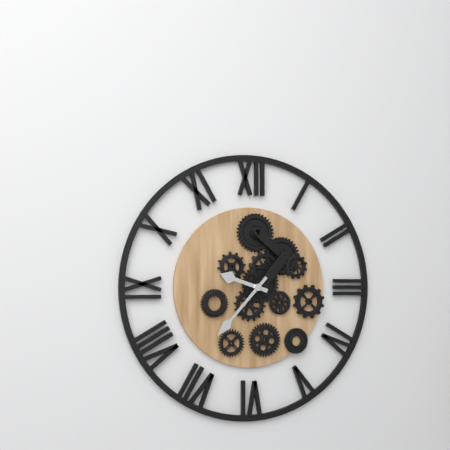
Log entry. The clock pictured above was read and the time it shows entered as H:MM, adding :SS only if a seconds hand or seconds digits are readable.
9:37
